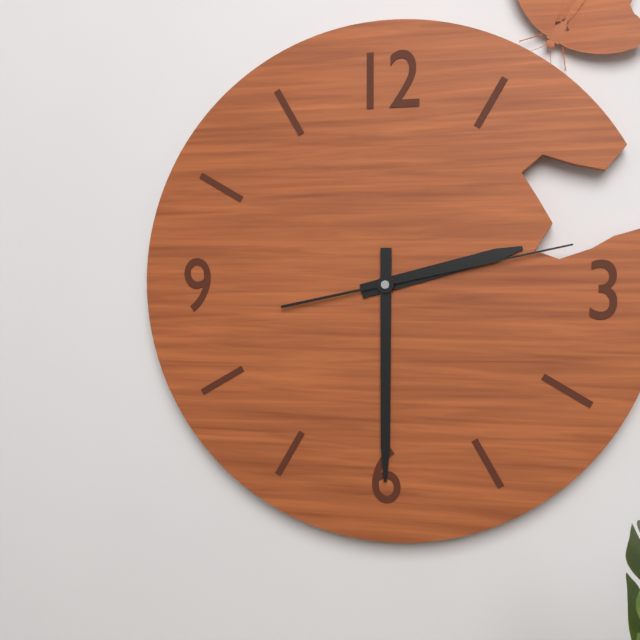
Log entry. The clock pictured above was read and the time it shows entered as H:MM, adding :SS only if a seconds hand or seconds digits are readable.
2:30:13
